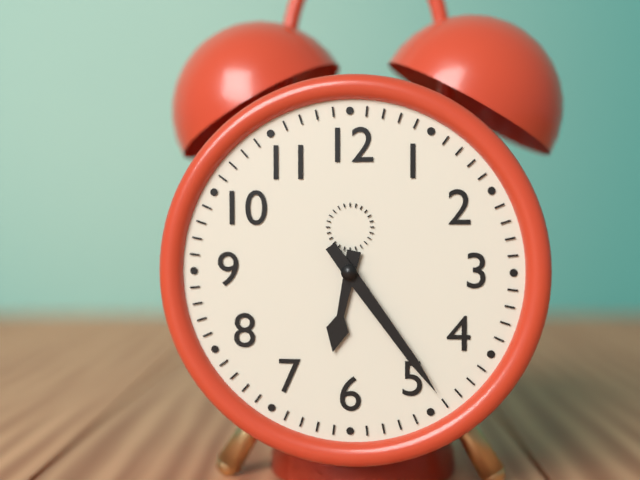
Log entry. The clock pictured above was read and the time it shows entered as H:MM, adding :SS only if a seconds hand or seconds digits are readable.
6:24
